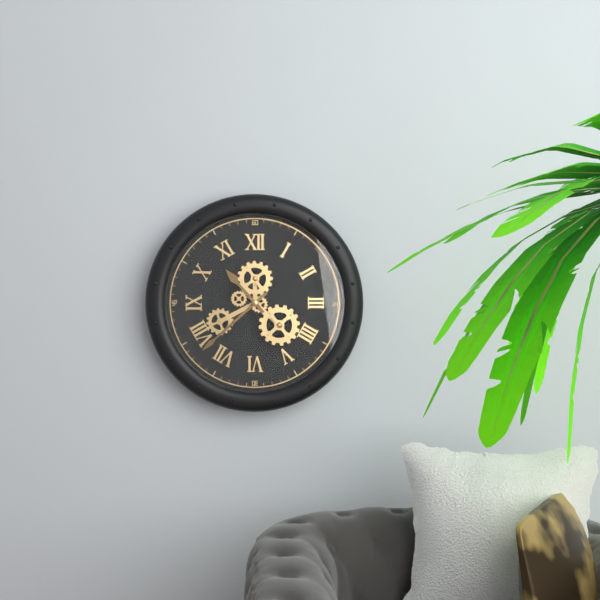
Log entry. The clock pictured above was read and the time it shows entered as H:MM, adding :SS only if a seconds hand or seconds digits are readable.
10:38
